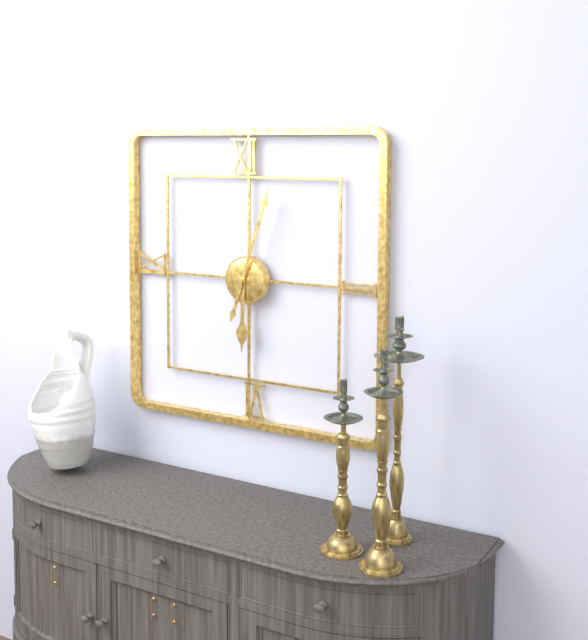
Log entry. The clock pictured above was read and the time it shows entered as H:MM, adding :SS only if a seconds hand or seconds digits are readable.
6:03
